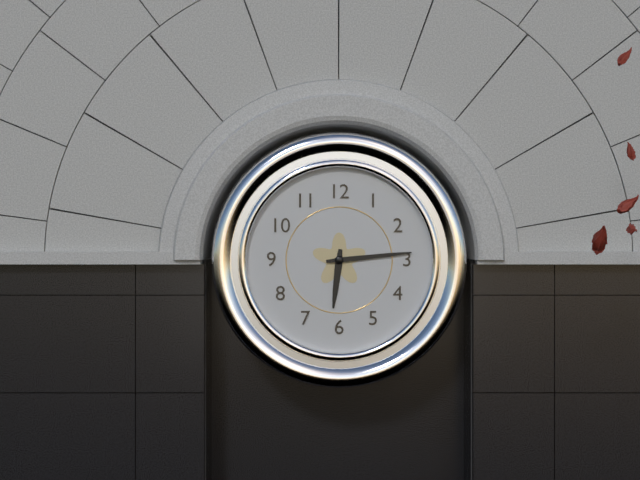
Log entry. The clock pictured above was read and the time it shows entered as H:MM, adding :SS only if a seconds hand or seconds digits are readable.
6:14
